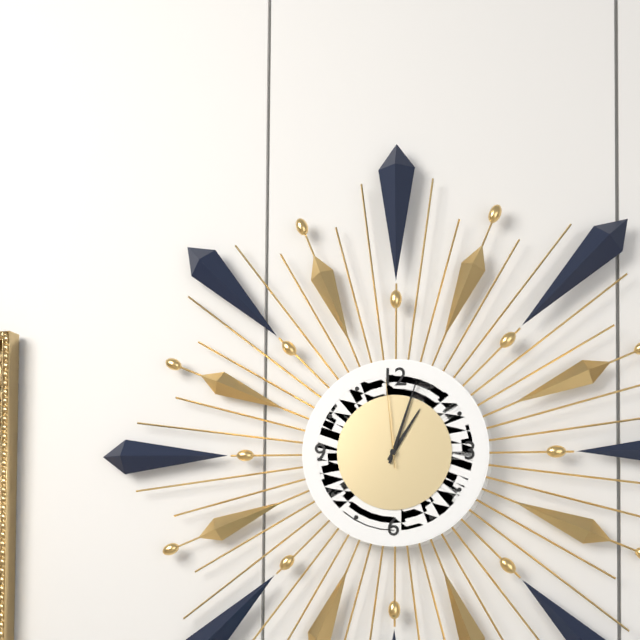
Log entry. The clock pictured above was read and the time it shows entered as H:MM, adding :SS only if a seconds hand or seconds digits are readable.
1:03:59
